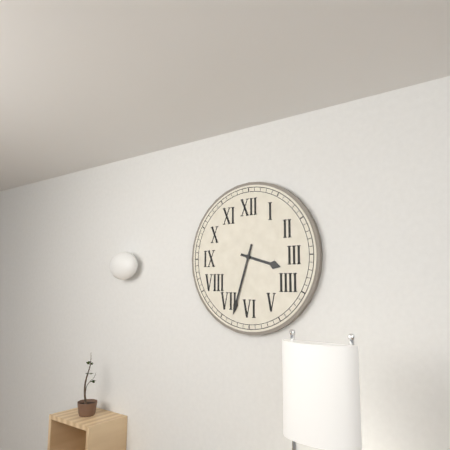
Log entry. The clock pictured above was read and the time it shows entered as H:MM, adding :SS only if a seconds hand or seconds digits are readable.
3:33
